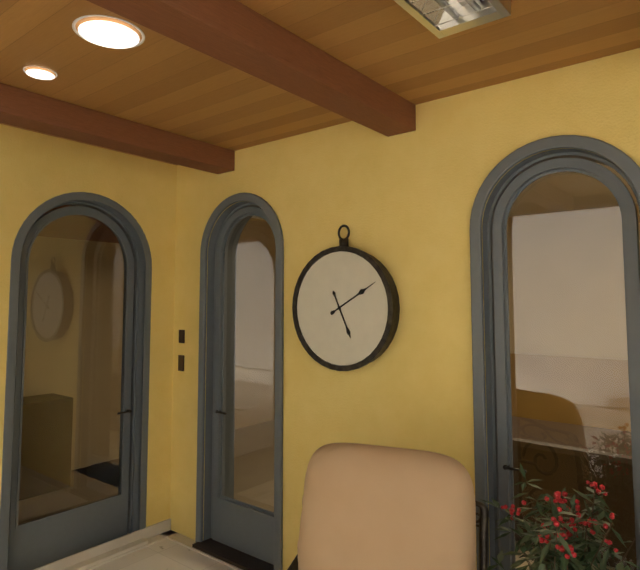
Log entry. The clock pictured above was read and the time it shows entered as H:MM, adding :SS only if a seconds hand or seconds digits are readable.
5:10
